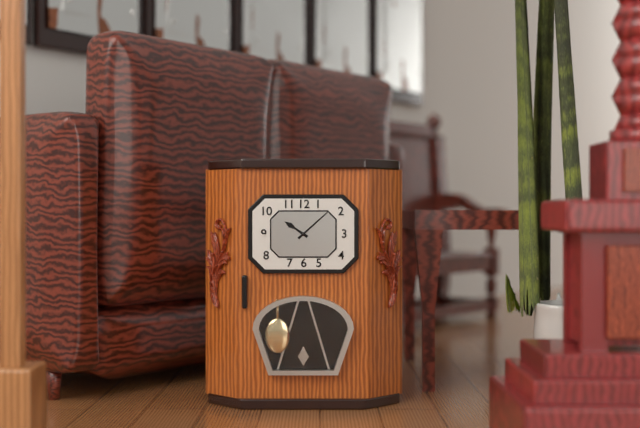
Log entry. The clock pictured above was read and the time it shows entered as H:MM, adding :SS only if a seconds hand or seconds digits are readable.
10:08
